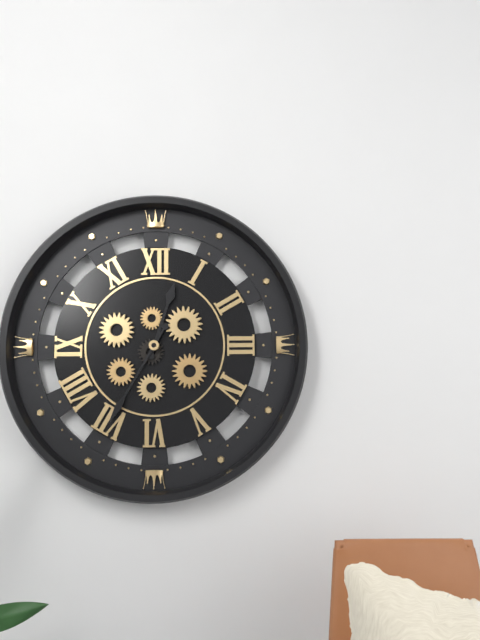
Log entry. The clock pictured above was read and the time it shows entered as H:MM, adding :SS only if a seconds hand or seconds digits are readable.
12:35
